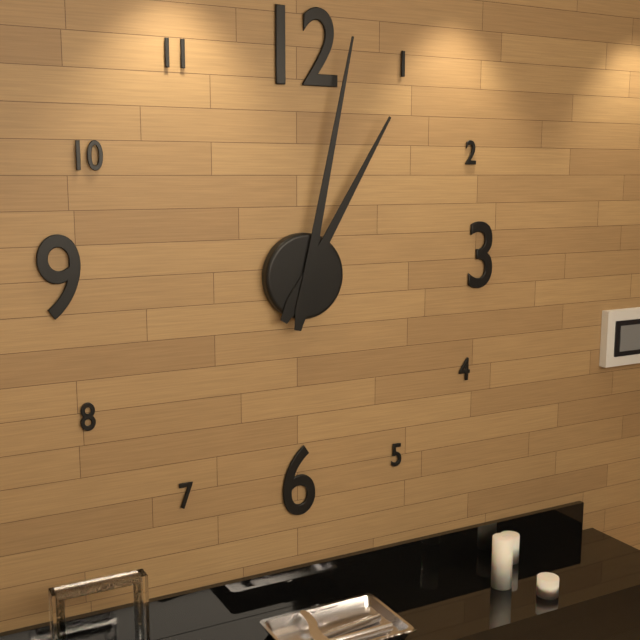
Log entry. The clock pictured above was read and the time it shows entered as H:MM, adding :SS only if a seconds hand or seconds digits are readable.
1:02
